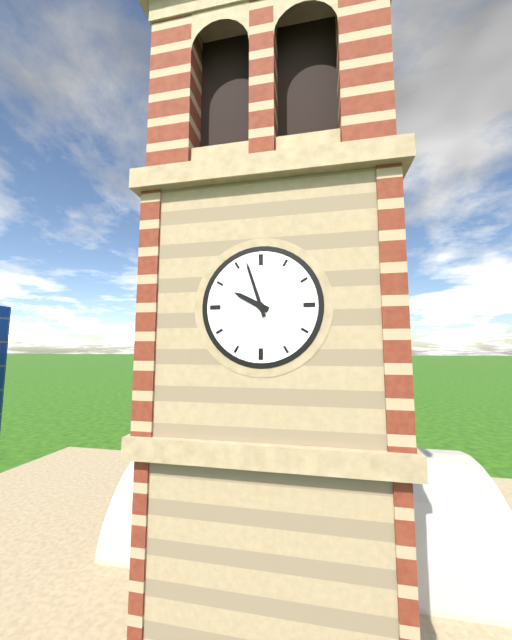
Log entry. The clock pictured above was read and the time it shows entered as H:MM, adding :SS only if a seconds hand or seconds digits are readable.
9:57
